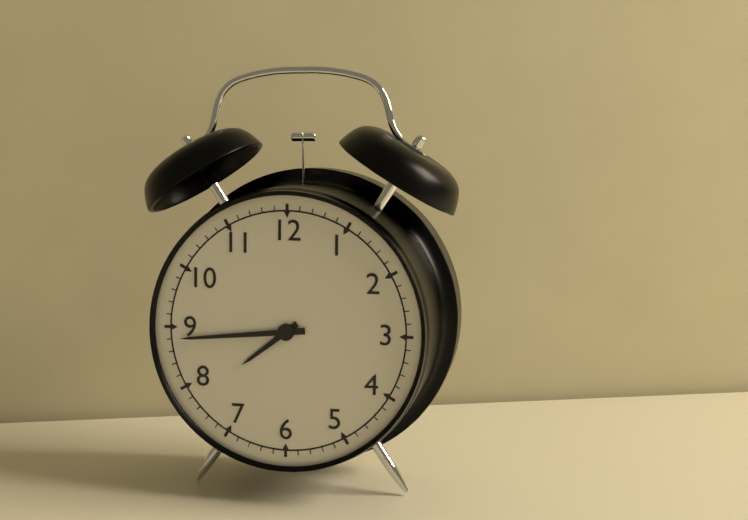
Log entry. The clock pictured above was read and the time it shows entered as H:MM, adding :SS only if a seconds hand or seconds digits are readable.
7:44
